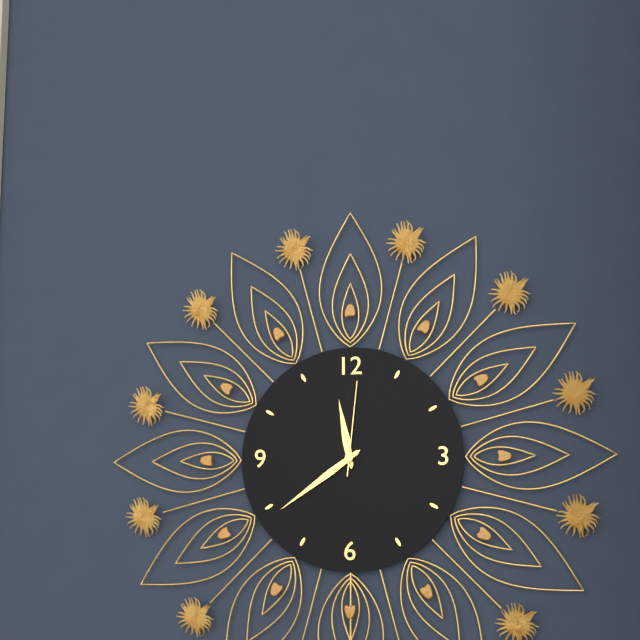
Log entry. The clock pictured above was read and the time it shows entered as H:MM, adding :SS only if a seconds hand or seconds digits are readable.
11:39:01
